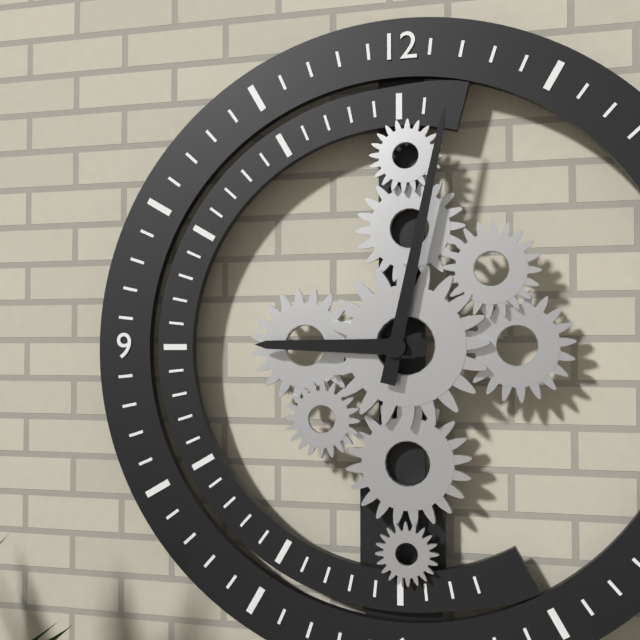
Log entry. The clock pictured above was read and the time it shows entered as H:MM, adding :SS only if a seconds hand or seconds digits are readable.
9:02
